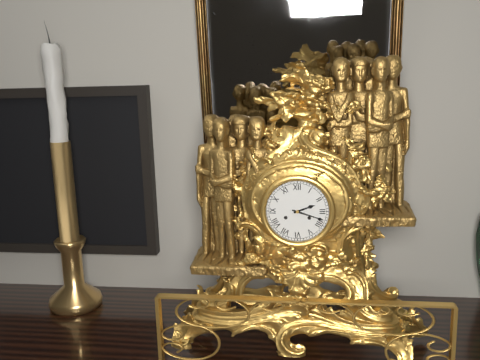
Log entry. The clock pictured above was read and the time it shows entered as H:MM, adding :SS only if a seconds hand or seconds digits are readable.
2:18
